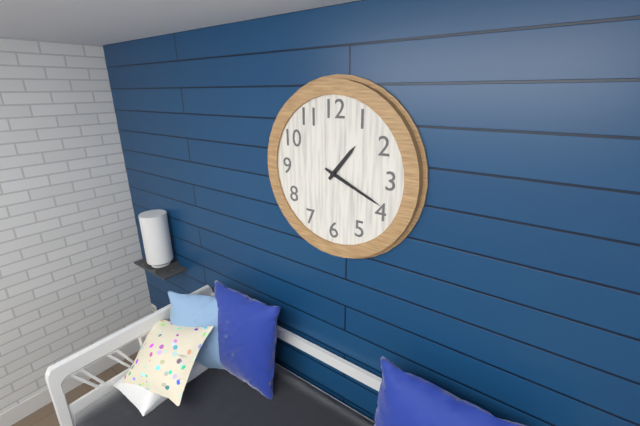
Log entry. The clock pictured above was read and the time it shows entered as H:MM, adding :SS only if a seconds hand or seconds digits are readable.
1:19
